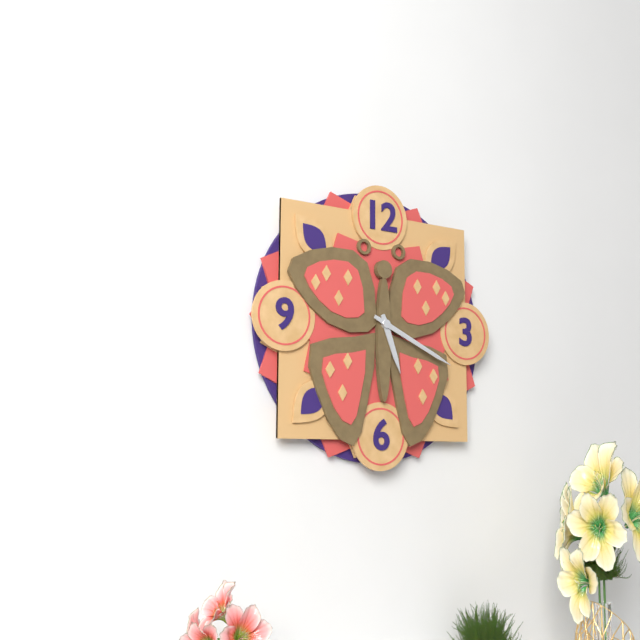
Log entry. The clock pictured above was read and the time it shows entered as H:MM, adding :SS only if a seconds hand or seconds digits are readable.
5:19
